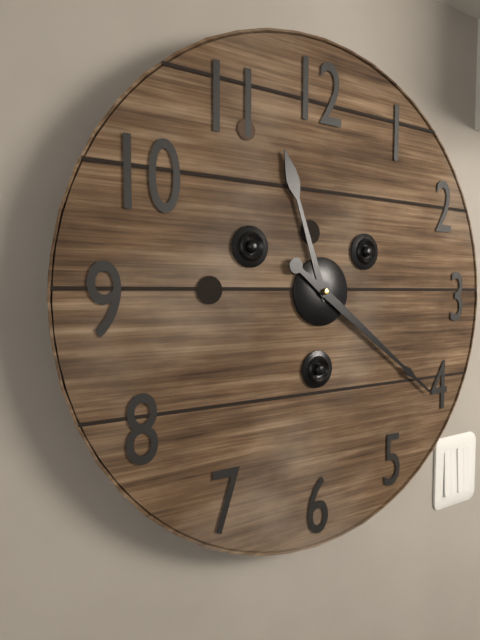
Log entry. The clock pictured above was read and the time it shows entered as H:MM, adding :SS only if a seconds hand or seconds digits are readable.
11:21
